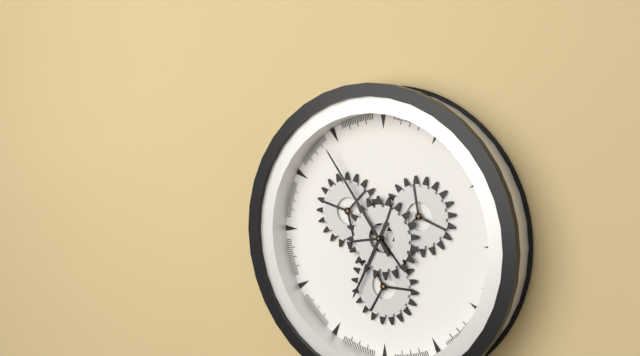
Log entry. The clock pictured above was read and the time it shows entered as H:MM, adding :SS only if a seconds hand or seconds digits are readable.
6:54
